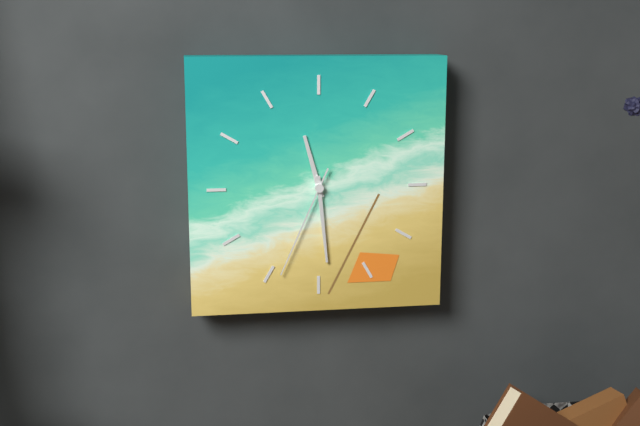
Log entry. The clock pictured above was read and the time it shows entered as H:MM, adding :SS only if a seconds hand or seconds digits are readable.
11:29:34
